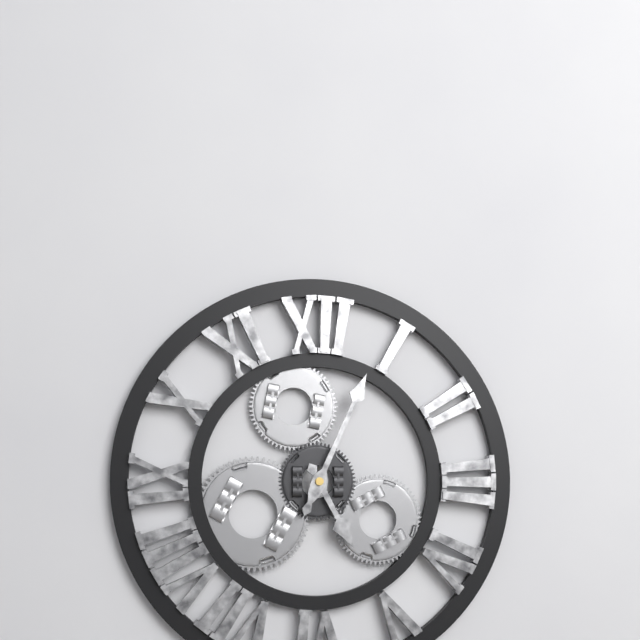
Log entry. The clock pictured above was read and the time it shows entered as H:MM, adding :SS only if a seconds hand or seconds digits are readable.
5:04
